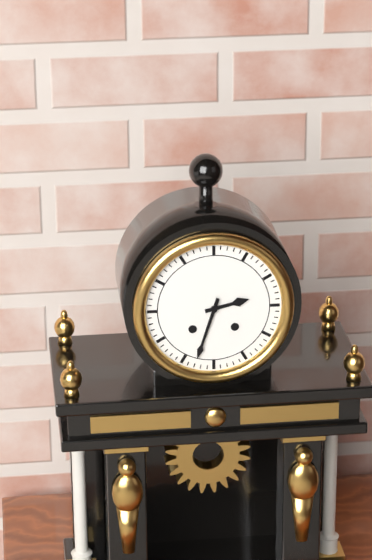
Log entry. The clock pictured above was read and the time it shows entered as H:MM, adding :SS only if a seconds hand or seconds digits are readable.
2:33
